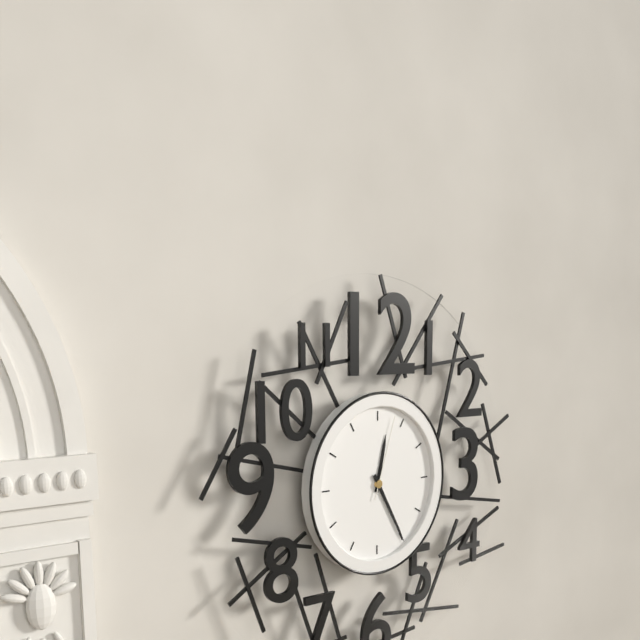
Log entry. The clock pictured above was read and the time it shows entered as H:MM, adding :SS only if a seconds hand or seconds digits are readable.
12:25:03
